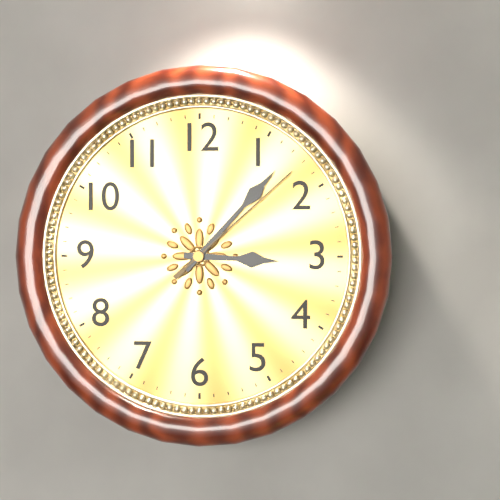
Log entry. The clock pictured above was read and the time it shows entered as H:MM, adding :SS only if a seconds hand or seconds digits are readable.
3:07:08
